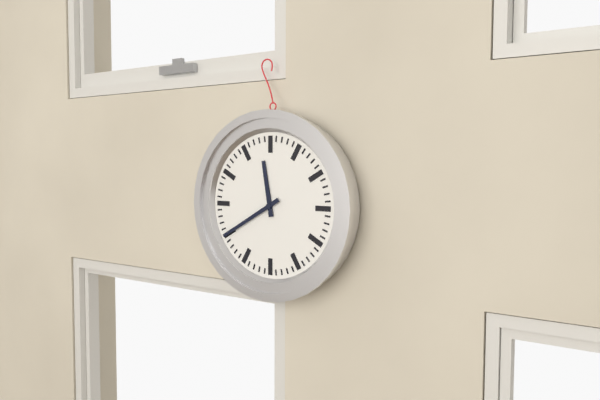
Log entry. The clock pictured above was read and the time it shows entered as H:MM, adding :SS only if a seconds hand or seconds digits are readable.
11:40
